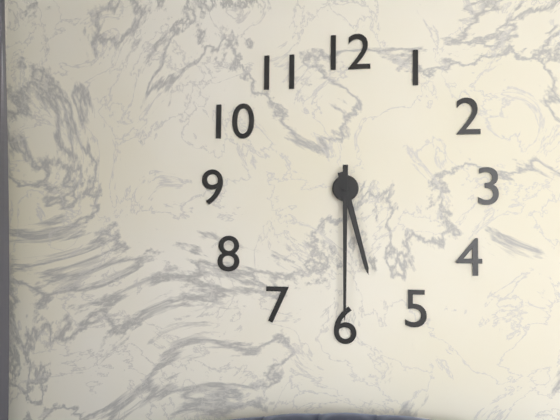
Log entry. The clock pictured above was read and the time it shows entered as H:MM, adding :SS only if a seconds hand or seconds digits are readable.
5:30
